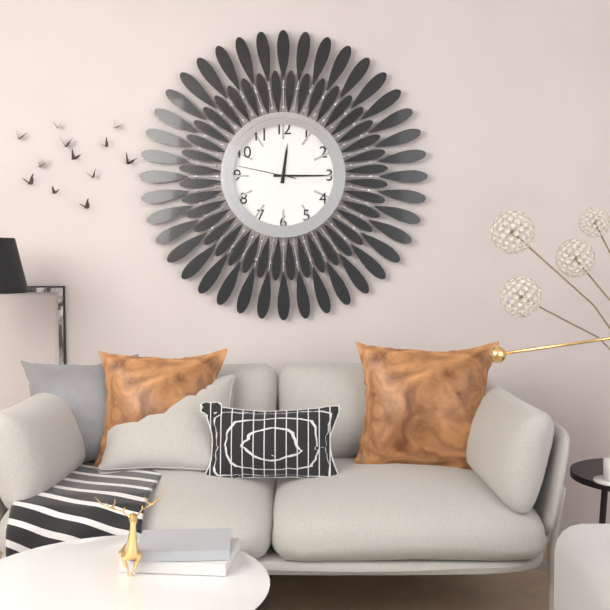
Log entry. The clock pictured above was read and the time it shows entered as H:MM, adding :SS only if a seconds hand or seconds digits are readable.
12:15:47
